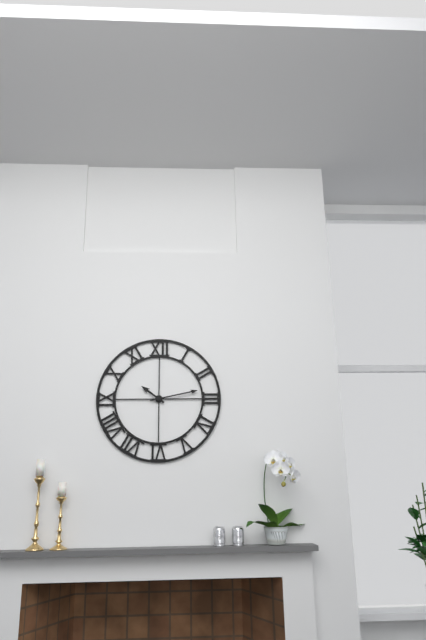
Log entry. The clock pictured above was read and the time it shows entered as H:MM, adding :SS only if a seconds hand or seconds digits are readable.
10:13
